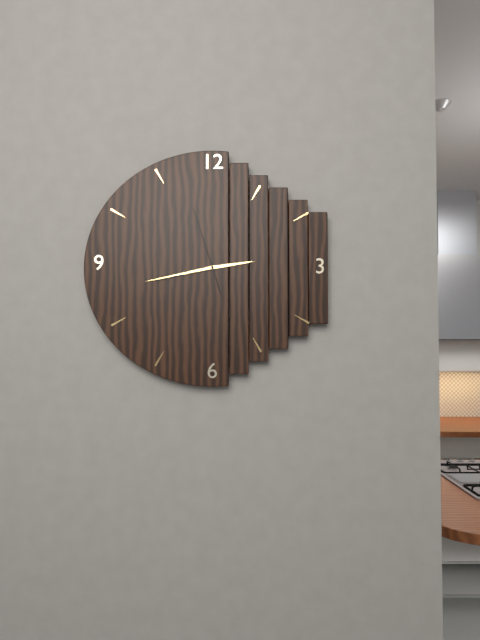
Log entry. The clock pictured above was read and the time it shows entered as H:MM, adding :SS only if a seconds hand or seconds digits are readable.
2:43:57
